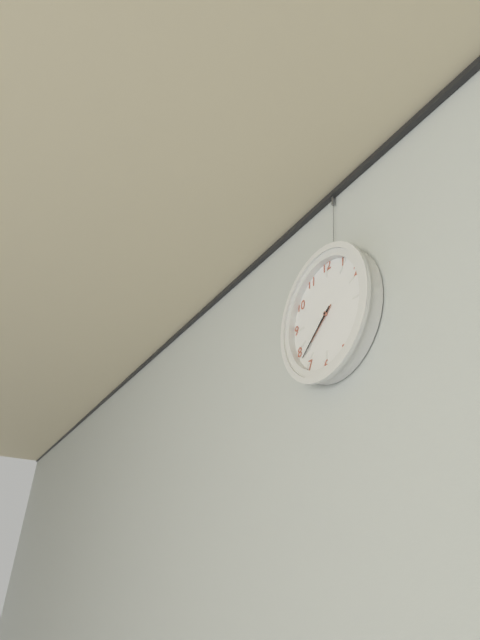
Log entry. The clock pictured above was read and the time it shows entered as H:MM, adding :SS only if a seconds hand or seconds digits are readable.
7:38
